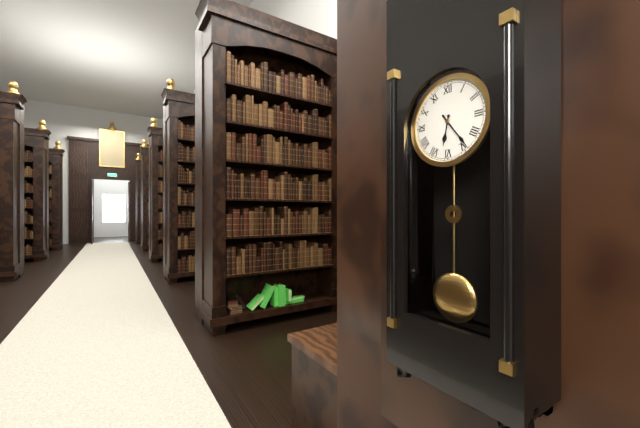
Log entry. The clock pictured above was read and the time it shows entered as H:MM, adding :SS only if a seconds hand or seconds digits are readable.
6:24
